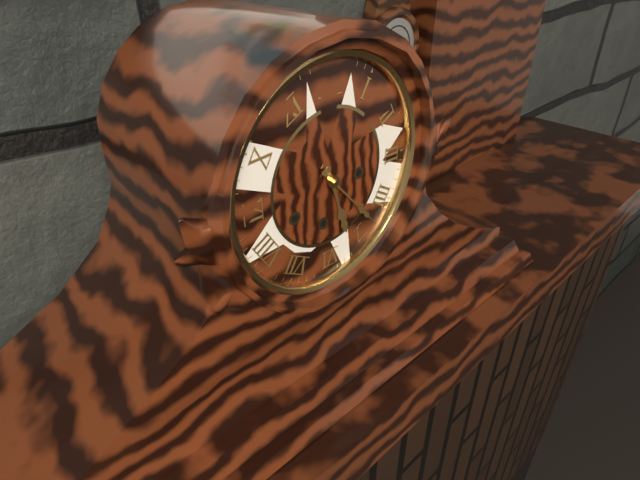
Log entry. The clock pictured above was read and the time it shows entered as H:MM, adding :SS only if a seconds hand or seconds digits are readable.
5:23
